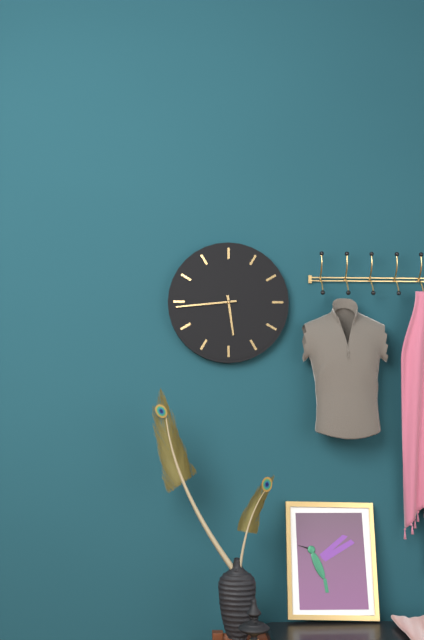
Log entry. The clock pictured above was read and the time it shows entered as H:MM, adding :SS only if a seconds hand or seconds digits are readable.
5:44
